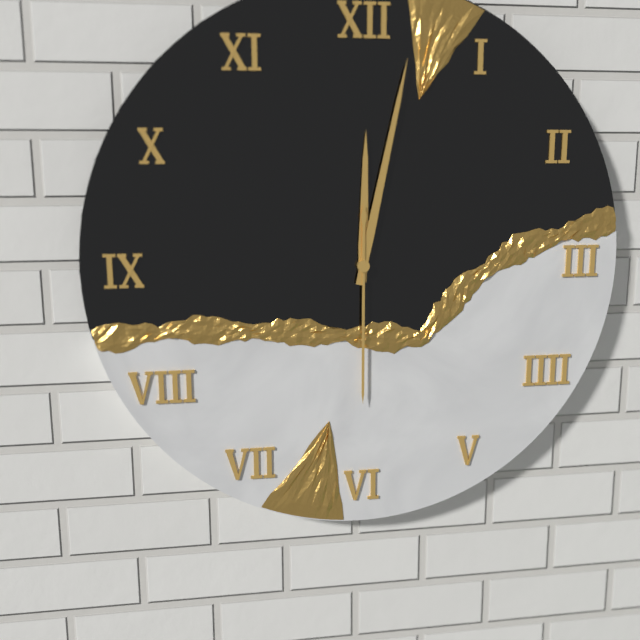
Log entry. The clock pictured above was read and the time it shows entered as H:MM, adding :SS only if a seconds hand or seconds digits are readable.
12:02:30
